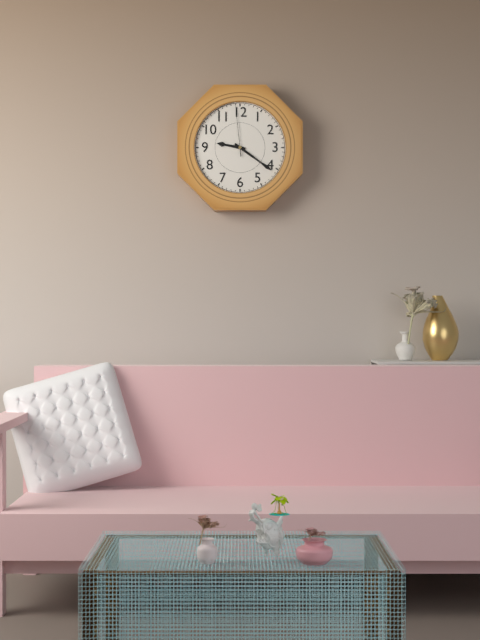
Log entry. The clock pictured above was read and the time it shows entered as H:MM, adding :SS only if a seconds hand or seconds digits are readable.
9:21:59
